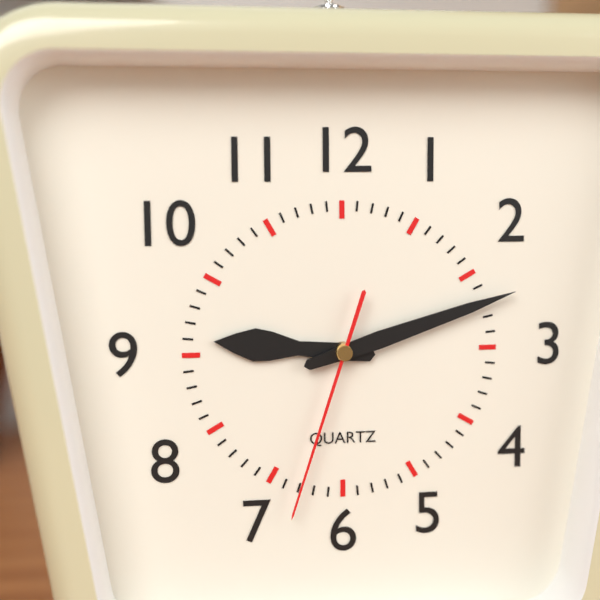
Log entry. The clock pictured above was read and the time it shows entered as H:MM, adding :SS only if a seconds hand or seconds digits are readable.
9:12:33
